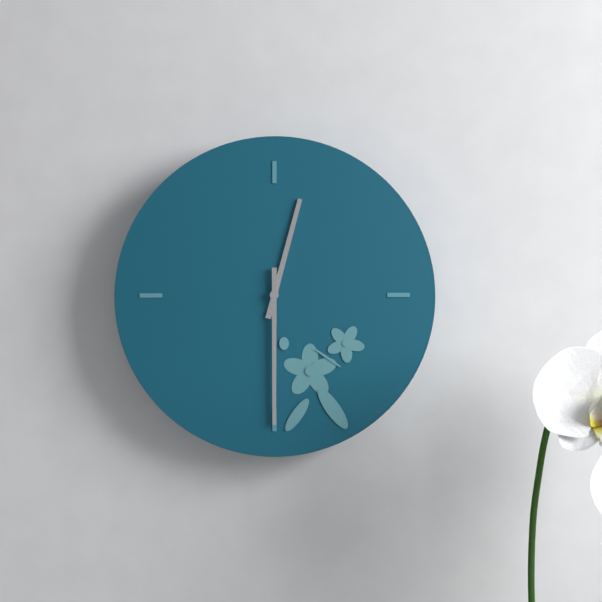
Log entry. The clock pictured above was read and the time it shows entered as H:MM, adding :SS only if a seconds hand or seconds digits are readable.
12:30
